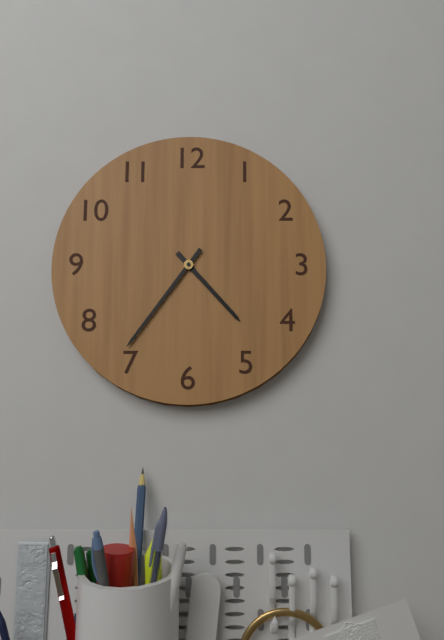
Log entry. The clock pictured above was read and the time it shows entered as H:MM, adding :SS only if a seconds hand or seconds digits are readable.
4:36
